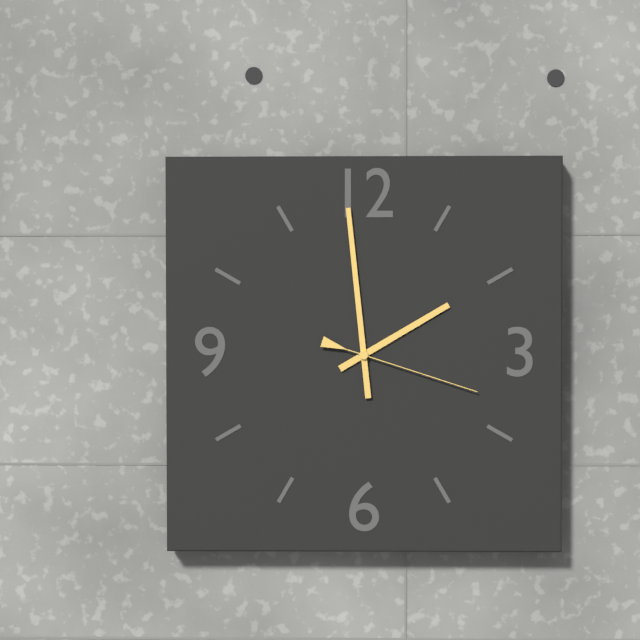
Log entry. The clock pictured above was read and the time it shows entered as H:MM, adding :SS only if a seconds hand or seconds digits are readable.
1:59:18
